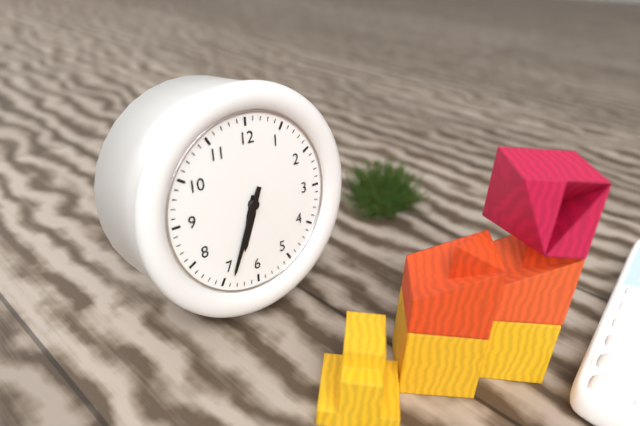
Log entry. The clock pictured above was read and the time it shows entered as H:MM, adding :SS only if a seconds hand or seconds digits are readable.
6:34
